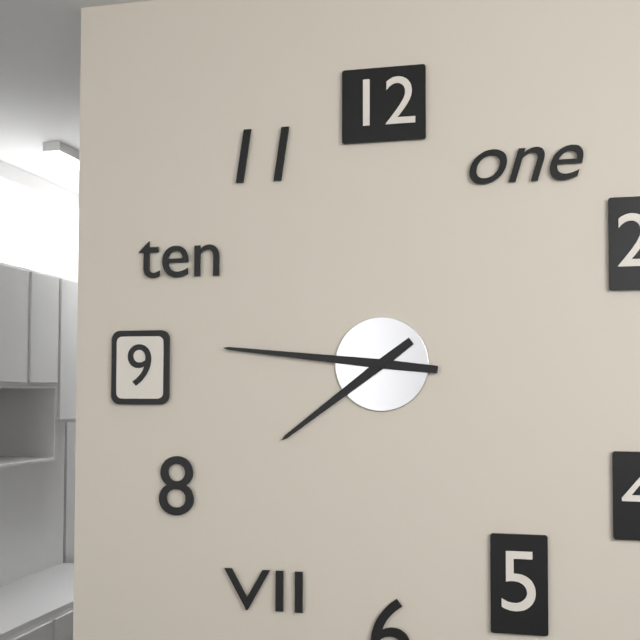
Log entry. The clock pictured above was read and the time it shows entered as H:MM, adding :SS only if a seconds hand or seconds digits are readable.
7:46
